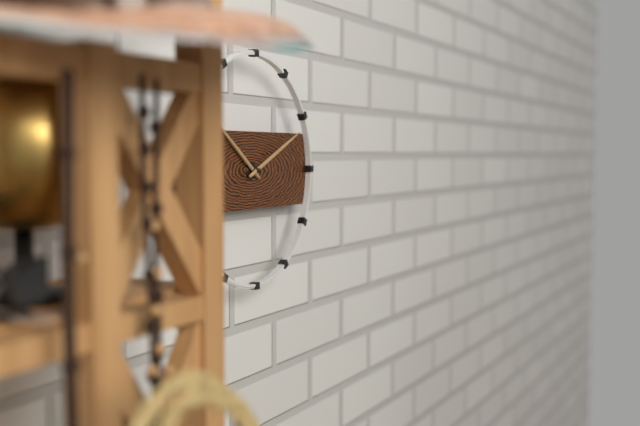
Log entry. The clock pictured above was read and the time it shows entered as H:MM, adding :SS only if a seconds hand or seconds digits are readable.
10:11
